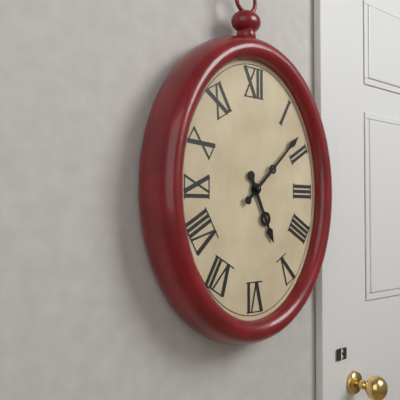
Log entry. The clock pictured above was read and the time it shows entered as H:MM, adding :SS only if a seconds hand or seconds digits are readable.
5:08
